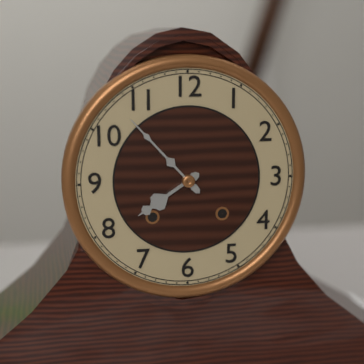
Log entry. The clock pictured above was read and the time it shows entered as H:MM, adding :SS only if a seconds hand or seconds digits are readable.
7:53
